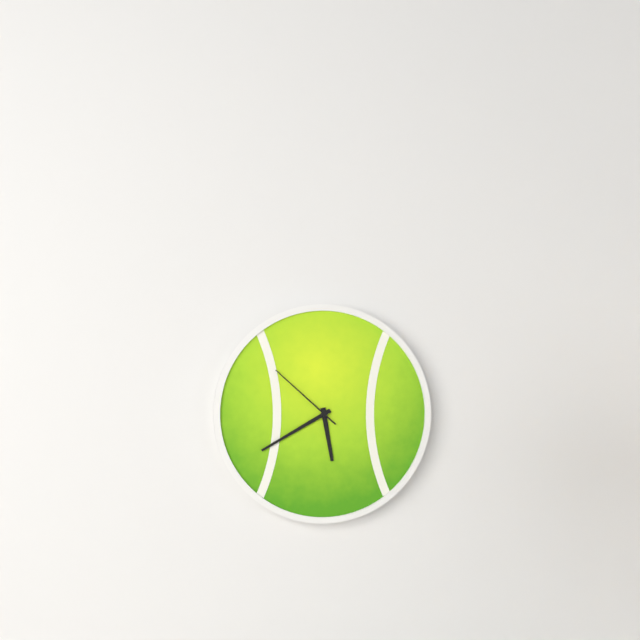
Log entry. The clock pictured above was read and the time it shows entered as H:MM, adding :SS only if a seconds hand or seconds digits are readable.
5:40:52
